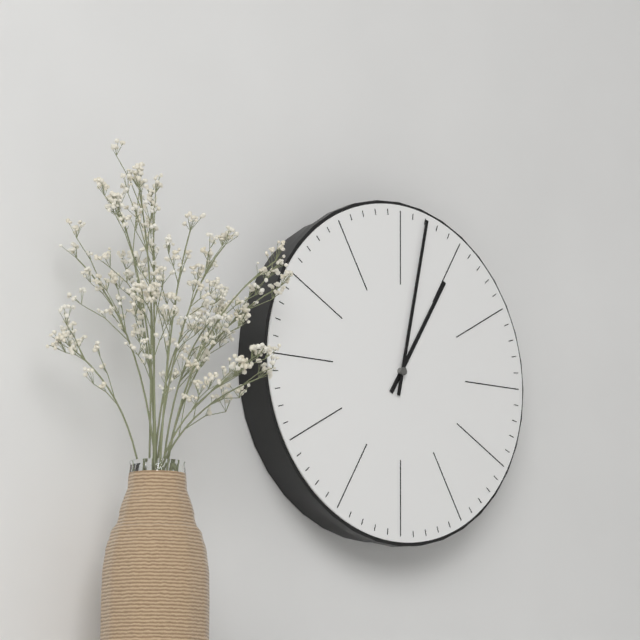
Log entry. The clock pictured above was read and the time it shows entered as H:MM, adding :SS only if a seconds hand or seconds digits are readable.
1:02
